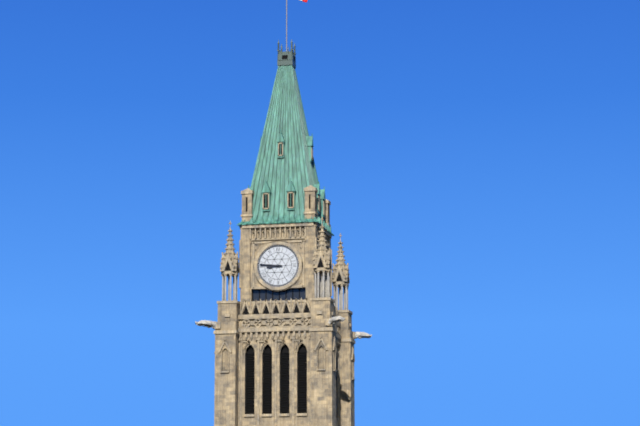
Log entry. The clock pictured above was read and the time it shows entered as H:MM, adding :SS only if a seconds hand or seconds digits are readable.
8:46
